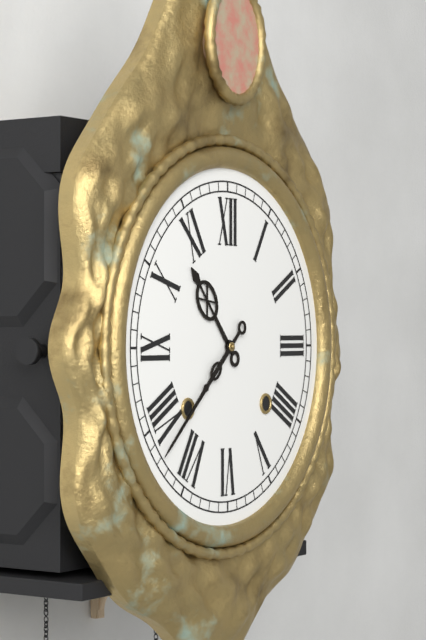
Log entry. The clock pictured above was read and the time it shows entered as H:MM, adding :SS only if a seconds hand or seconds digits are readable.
10:38
